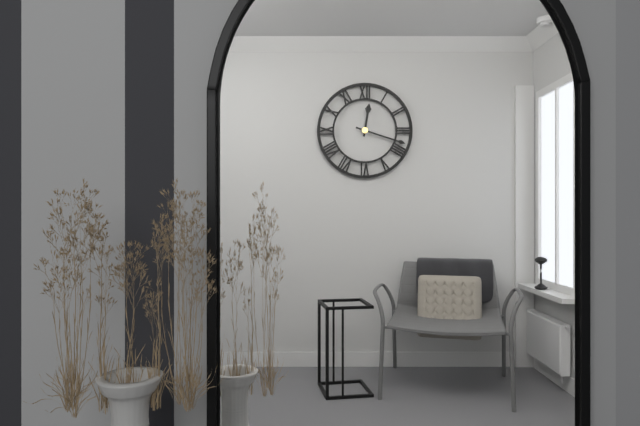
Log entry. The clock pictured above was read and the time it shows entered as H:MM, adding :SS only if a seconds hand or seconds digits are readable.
12:18
